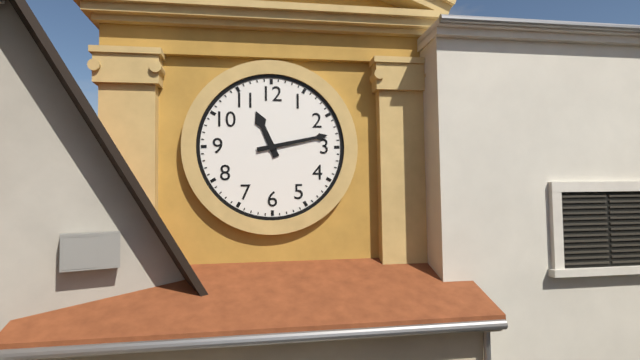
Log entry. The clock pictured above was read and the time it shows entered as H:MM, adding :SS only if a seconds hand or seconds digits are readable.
11:13
